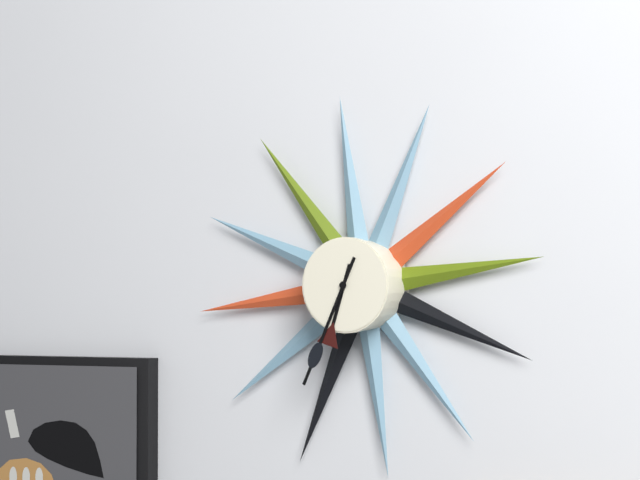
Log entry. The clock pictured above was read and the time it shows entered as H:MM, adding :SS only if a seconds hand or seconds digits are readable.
6:34
